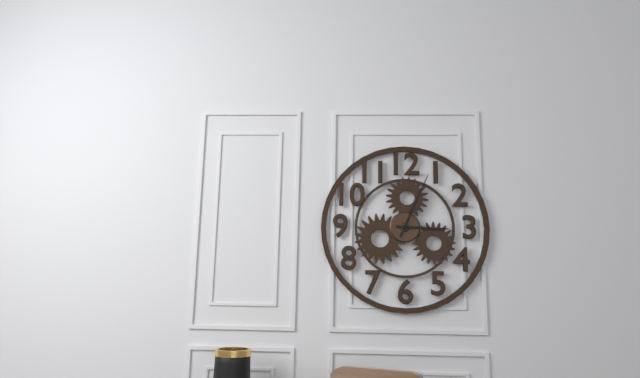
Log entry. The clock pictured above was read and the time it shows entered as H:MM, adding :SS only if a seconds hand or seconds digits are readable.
3:04
